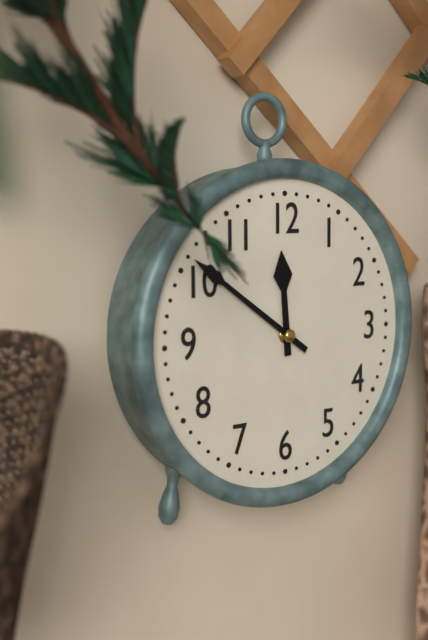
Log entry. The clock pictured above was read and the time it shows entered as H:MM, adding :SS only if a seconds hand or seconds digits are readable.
11:51
